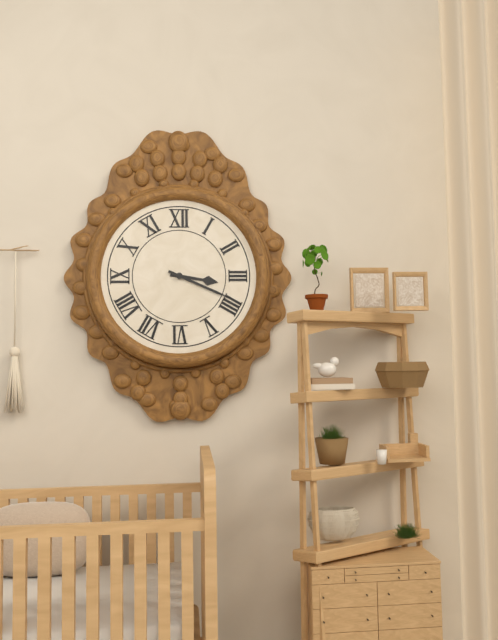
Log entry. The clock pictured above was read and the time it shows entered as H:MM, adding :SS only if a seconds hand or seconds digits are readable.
3:19
